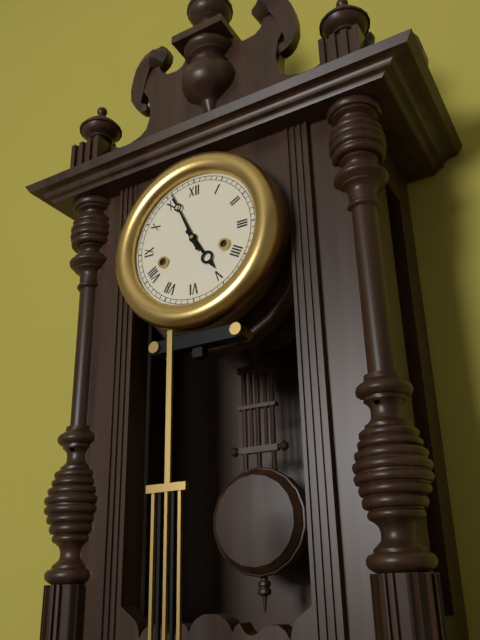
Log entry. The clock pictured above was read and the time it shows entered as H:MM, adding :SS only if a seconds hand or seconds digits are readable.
4:56
